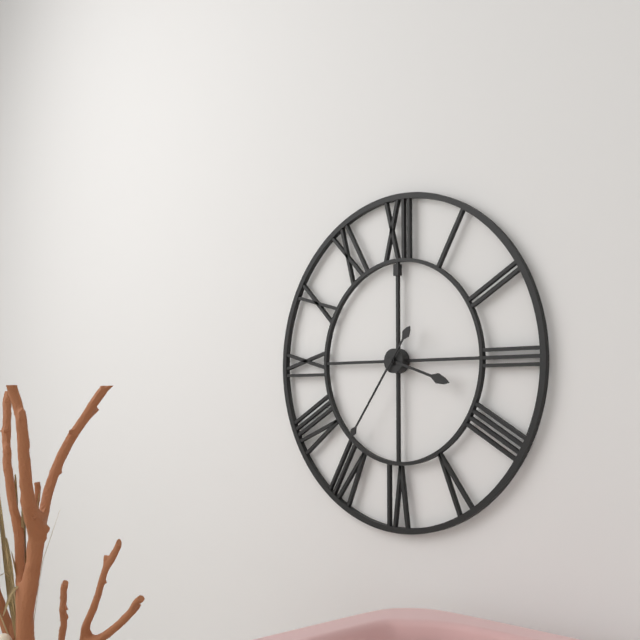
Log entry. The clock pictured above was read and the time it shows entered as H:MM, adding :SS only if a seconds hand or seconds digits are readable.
3:36
